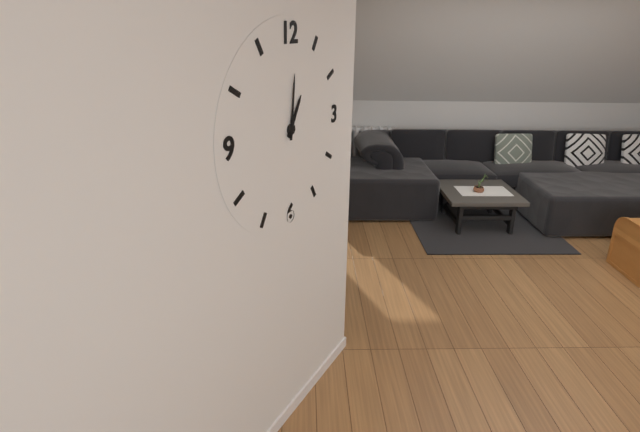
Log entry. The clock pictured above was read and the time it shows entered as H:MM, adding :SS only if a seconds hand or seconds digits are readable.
1:01
